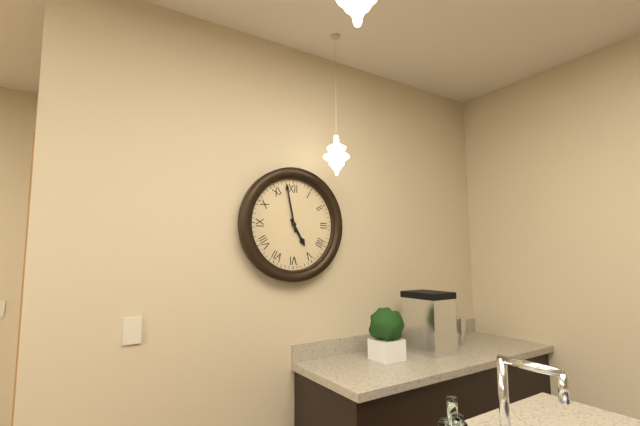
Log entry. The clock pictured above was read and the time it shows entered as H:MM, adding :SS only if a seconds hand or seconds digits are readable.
4:58
